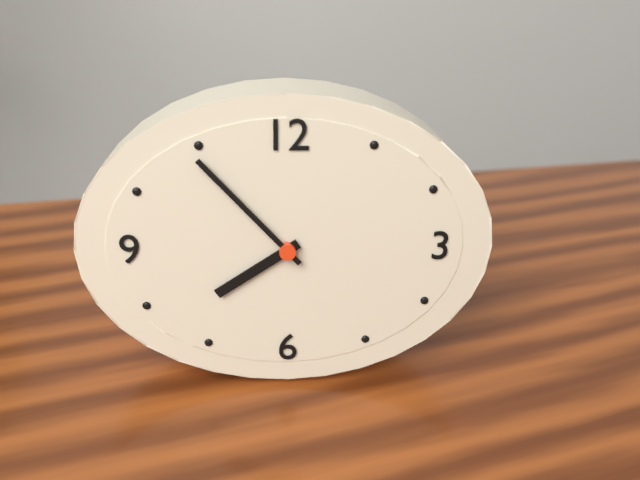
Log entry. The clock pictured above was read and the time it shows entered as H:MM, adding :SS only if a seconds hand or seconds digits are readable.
7:53
